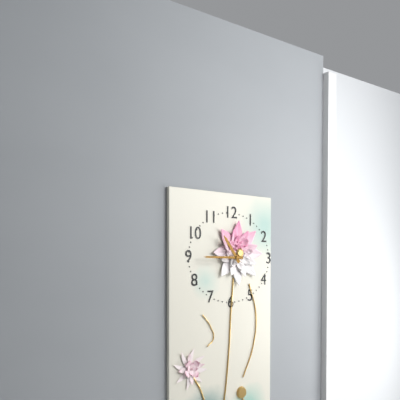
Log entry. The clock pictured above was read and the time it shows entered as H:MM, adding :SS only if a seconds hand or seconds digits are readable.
10:45
